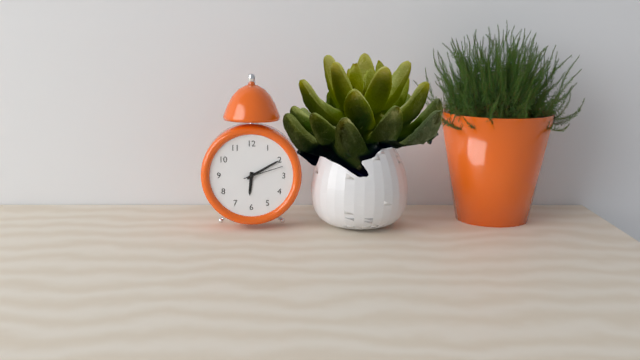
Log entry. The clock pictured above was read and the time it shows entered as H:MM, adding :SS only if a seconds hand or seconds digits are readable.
6:10
